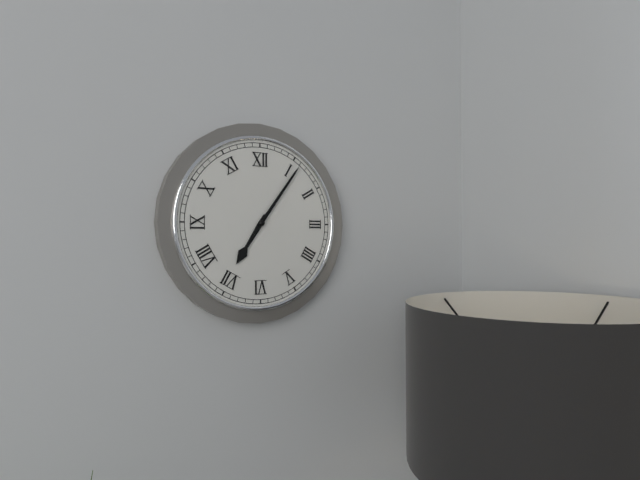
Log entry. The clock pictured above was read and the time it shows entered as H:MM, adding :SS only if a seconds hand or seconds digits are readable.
7:06
